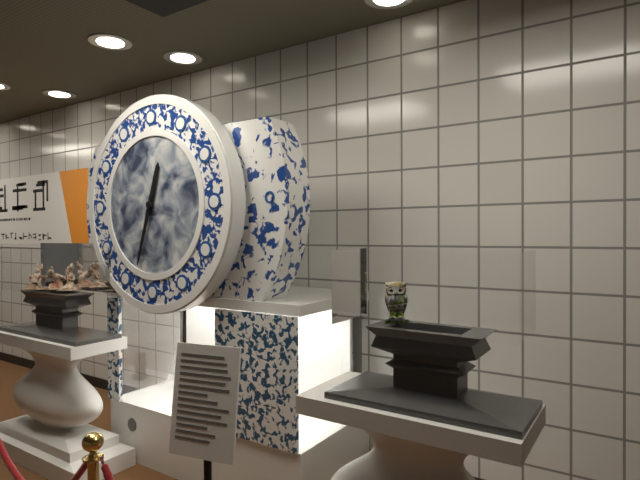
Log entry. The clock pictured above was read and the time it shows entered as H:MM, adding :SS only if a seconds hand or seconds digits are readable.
12:33
